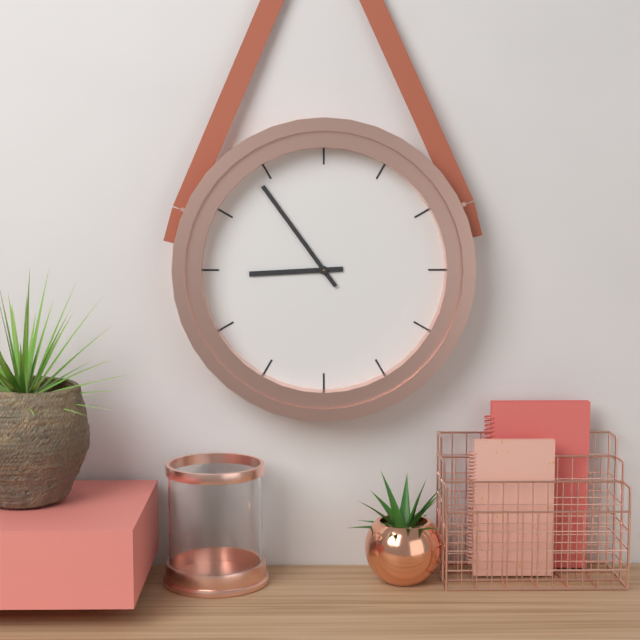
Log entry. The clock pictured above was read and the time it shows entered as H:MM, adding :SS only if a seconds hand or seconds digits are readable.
8:54
